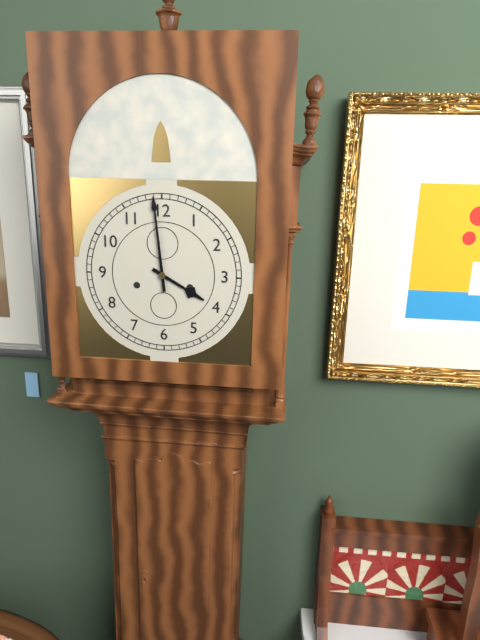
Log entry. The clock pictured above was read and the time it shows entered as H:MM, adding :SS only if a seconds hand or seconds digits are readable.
3:59
